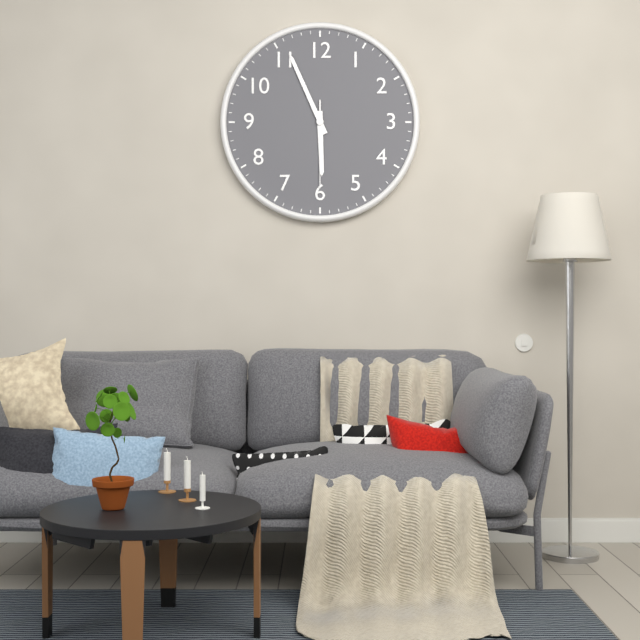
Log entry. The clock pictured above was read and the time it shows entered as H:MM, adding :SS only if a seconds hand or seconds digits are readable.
5:56:30
